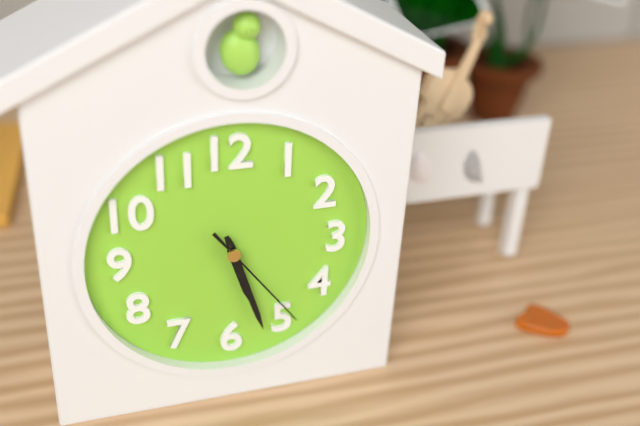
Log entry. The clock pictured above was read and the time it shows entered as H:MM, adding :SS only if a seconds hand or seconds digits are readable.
5:27:24
